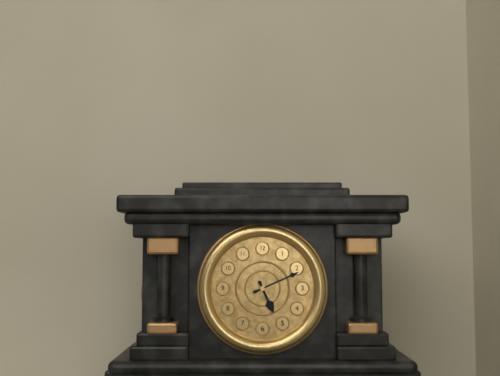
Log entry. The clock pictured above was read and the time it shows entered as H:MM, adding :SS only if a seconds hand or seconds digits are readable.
5:11
